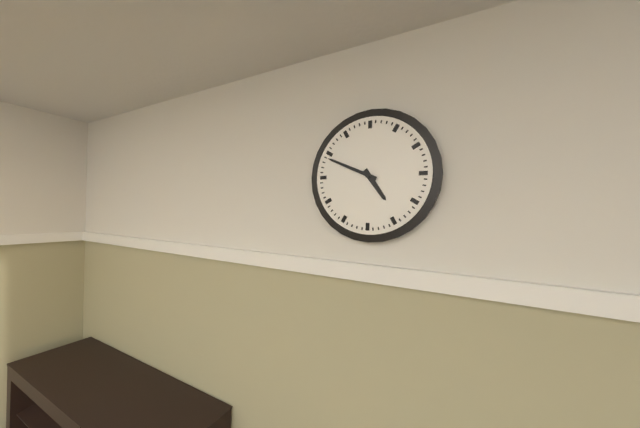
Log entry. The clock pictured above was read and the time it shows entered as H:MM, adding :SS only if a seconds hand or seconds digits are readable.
4:49
